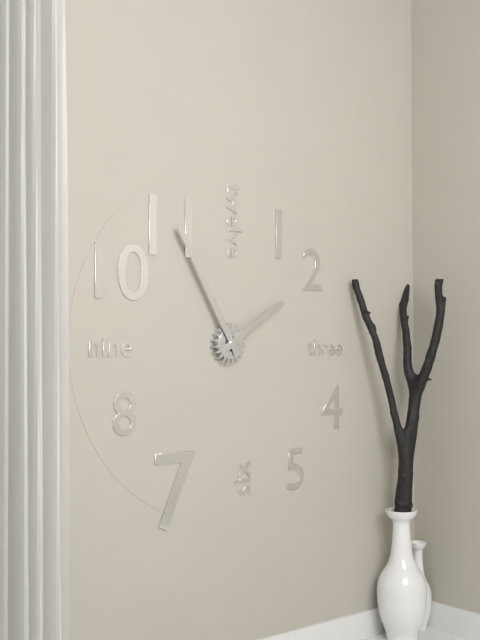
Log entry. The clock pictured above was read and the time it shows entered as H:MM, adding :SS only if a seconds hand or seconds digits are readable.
1:55
